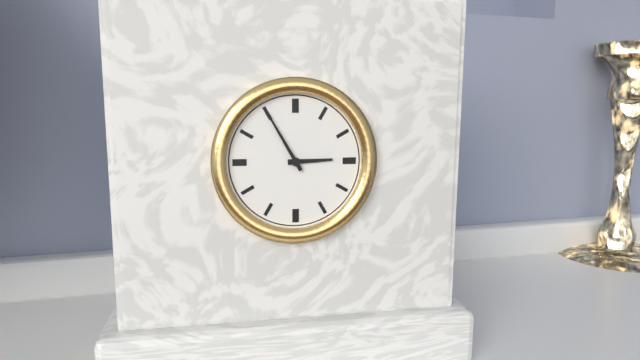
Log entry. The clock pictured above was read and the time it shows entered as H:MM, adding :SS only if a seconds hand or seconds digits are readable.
2:55
